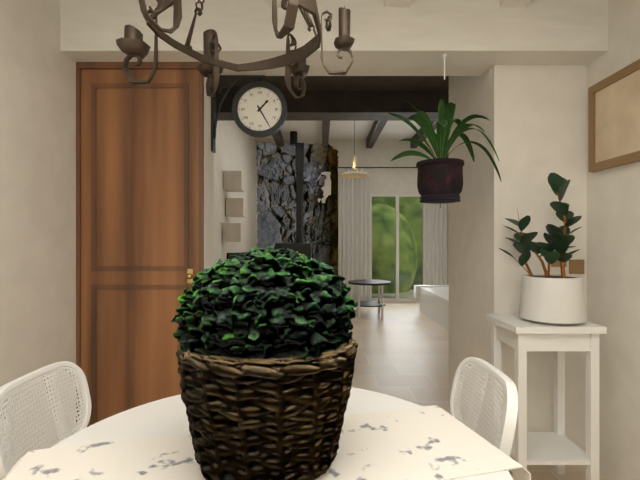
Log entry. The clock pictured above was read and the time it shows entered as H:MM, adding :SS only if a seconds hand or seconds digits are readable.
1:25
